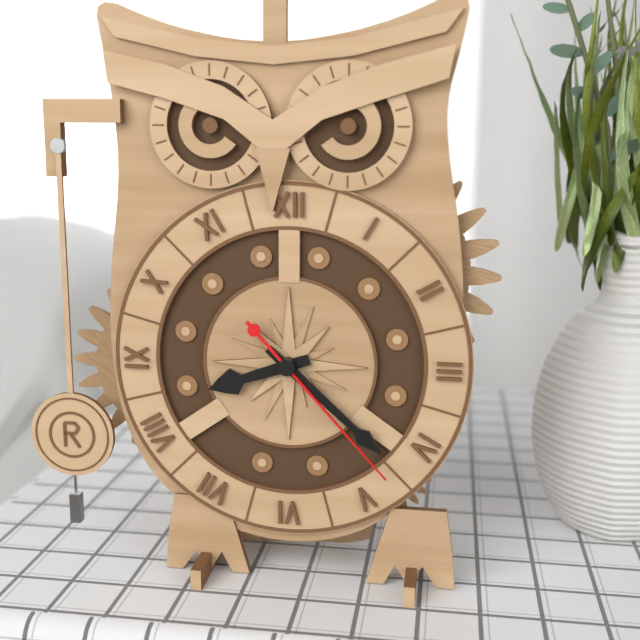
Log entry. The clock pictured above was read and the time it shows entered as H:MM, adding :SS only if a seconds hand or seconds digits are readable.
8:22:23
